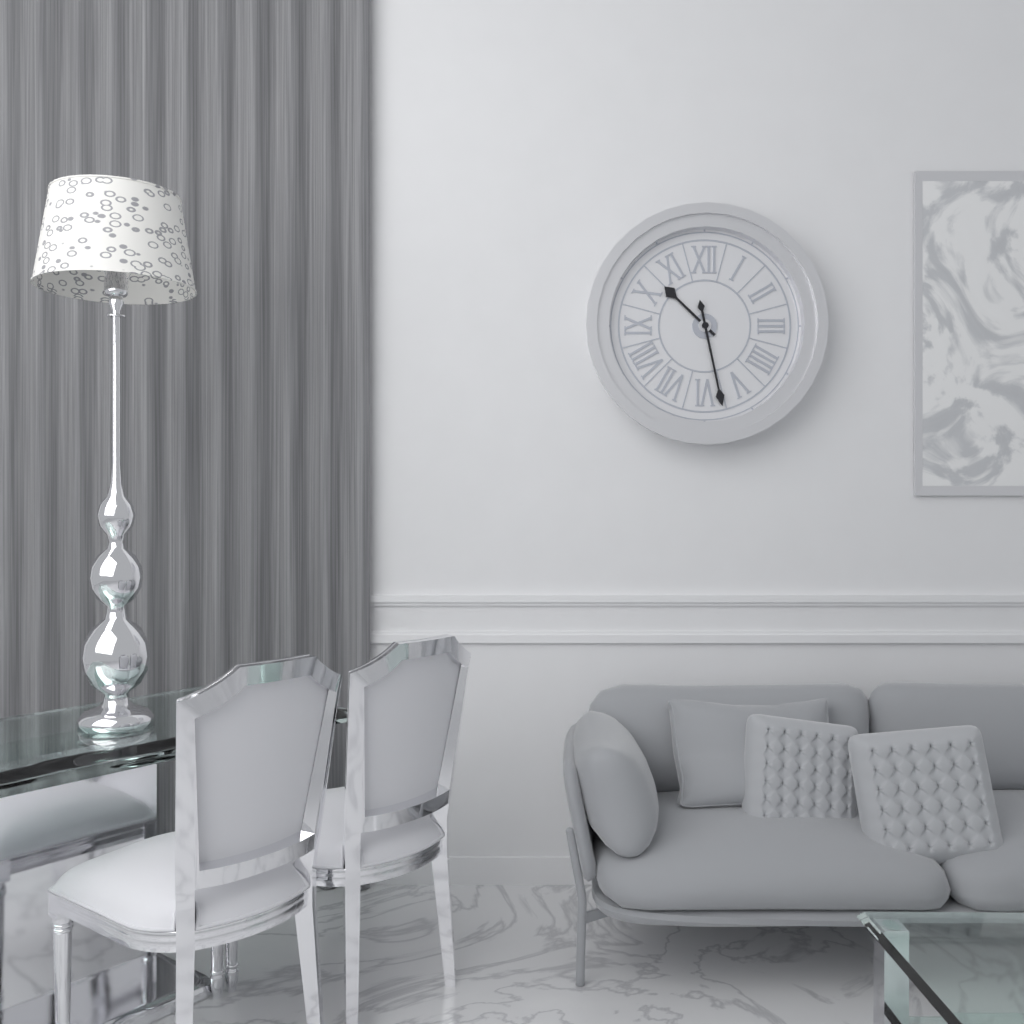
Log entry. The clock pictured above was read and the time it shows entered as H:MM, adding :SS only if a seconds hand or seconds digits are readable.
10:28
